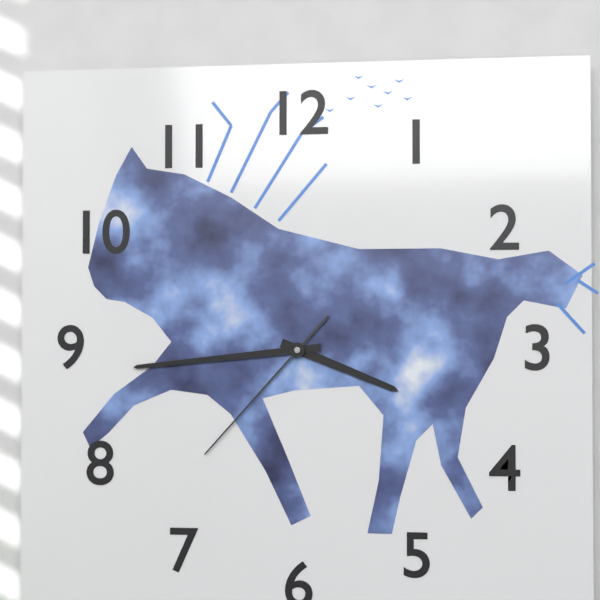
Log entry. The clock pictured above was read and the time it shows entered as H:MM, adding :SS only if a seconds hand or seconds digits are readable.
3:44:37
